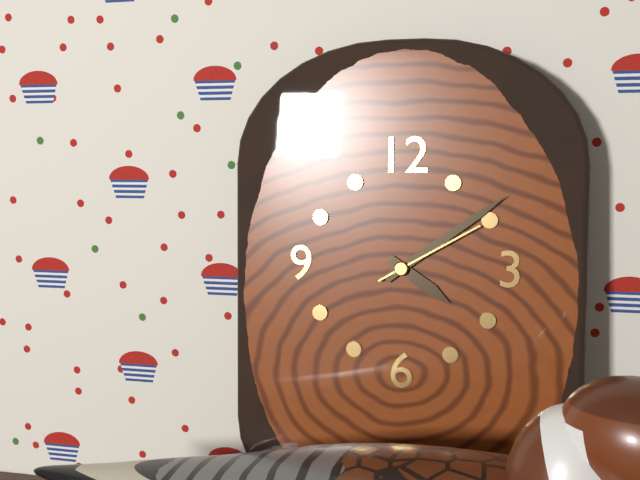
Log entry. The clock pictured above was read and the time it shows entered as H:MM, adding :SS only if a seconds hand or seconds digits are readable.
4:09:10
